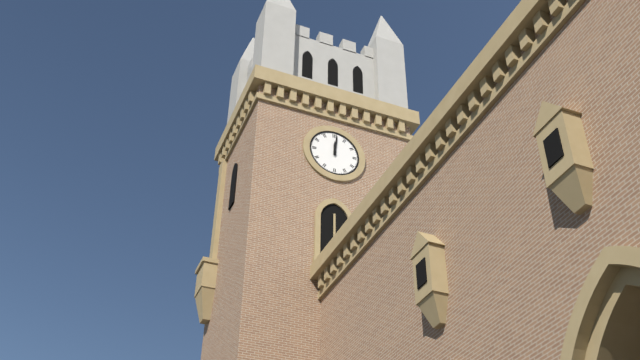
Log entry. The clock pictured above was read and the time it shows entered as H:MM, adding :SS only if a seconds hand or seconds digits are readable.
12:01
